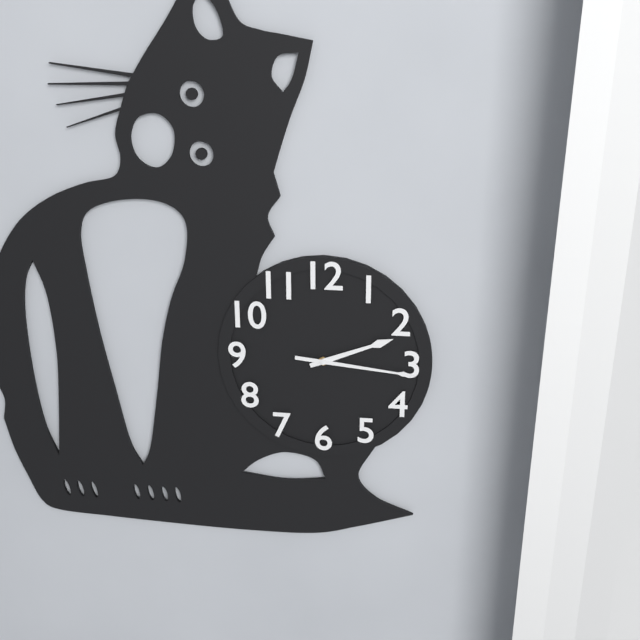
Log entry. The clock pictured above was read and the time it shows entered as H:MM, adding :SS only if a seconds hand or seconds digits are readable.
2:16
